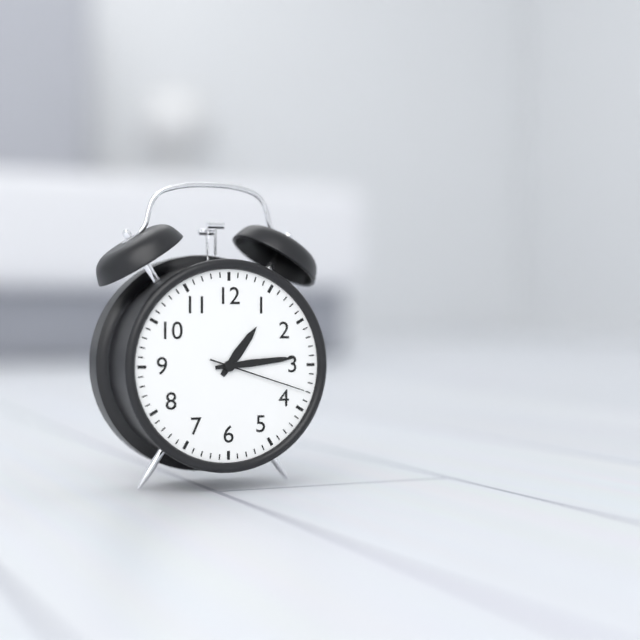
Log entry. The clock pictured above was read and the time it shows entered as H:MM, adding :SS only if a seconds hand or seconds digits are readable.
1:14:18
